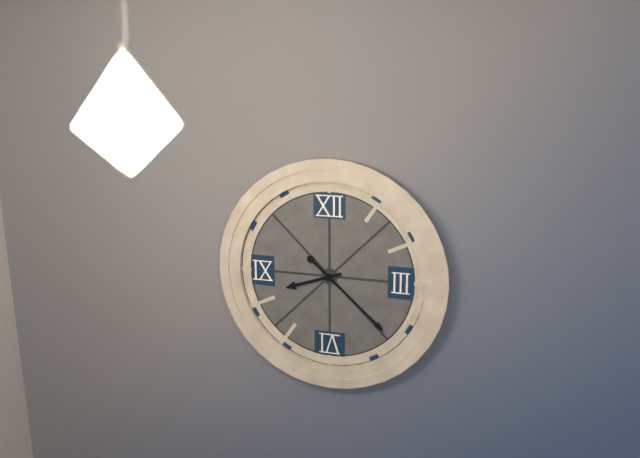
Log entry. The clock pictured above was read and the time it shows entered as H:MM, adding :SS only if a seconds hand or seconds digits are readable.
8:22
